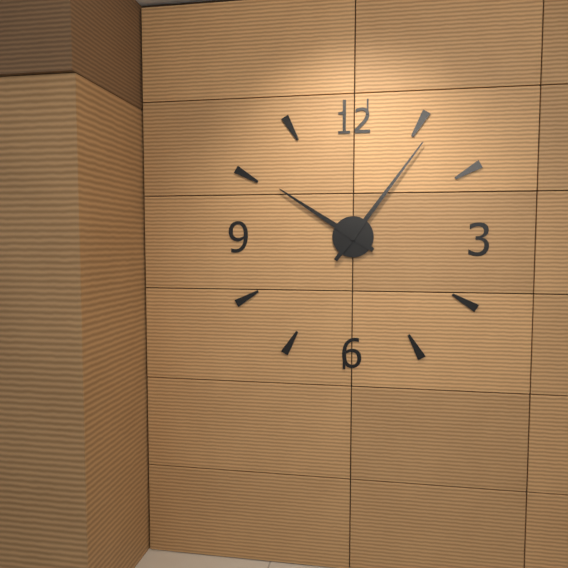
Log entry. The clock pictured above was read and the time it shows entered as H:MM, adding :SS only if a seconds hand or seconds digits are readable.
10:06
